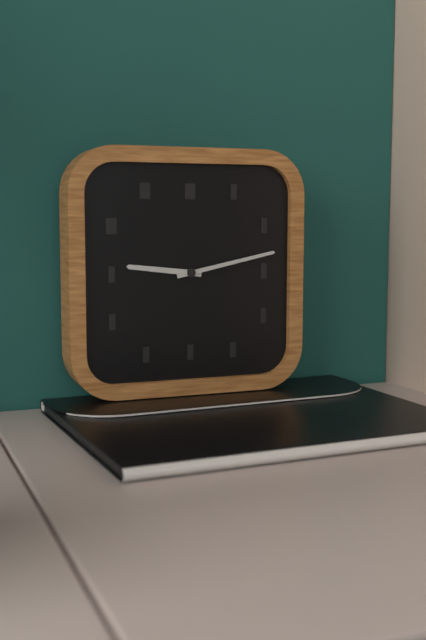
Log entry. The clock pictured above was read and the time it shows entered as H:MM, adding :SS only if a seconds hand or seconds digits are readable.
9:13
